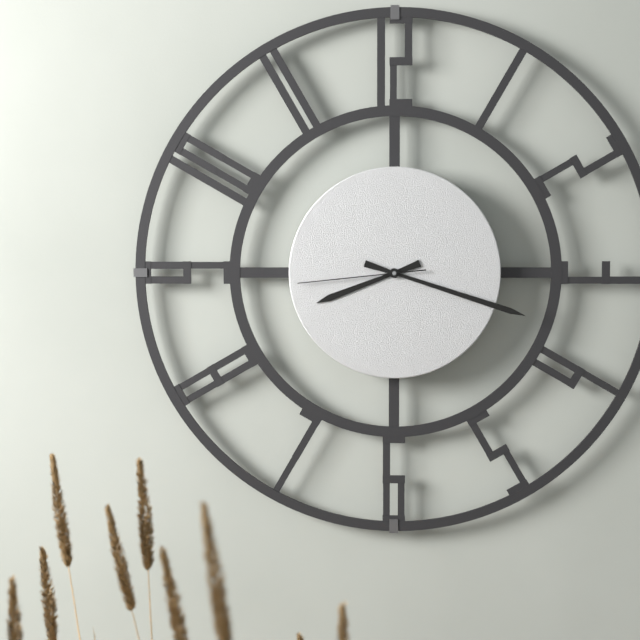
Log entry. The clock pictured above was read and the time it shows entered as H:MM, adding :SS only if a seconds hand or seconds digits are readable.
8:18:44
